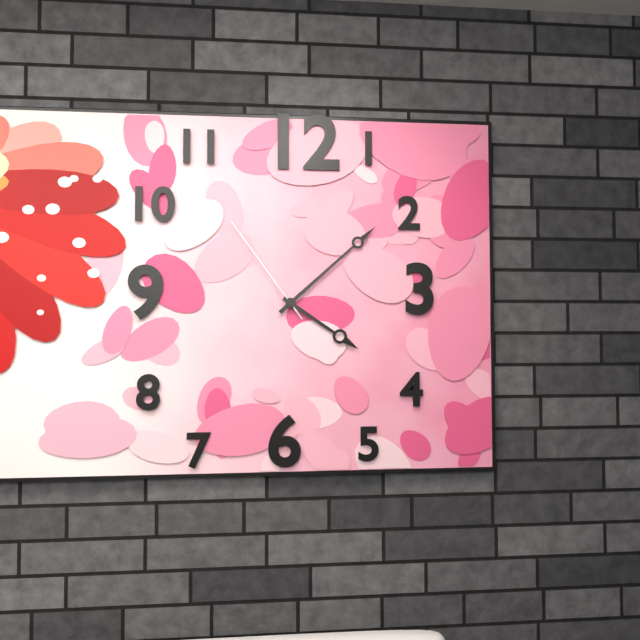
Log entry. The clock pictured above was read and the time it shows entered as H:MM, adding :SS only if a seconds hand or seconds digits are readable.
4:08:54
